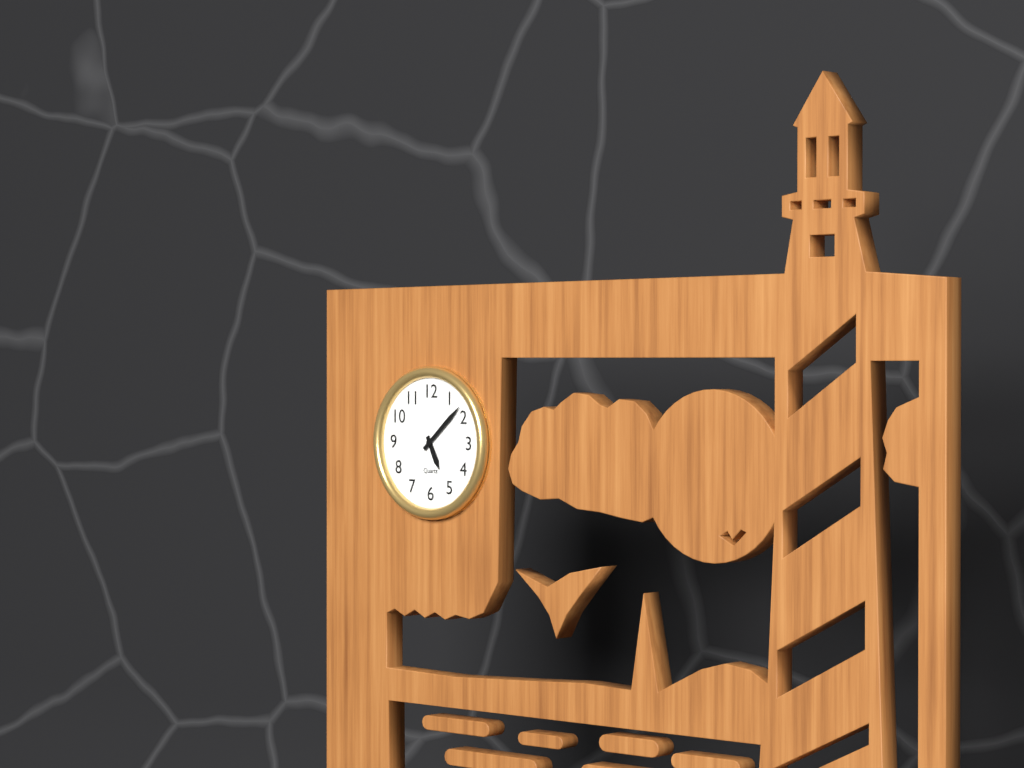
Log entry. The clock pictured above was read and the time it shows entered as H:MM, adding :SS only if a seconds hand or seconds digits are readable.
5:08
